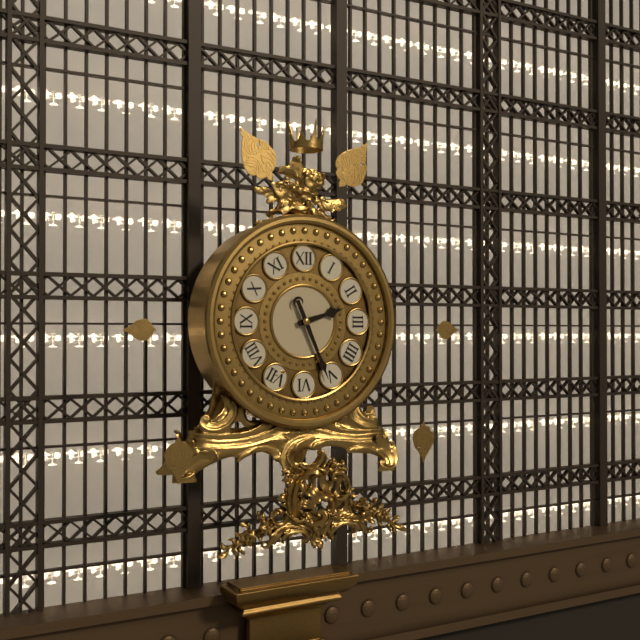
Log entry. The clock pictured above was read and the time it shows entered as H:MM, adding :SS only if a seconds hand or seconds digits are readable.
2:26
